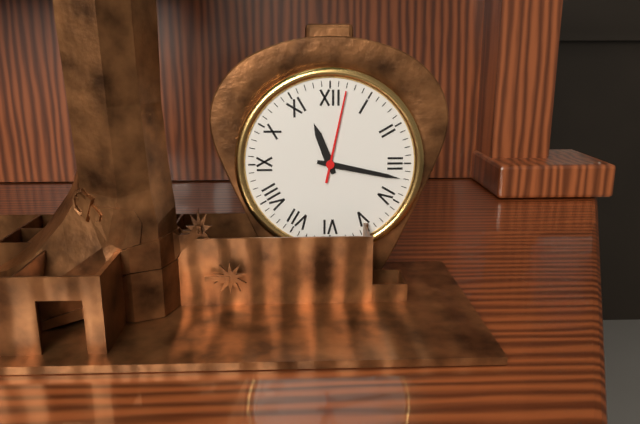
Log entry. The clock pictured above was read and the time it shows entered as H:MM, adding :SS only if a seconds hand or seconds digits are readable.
11:17:02
